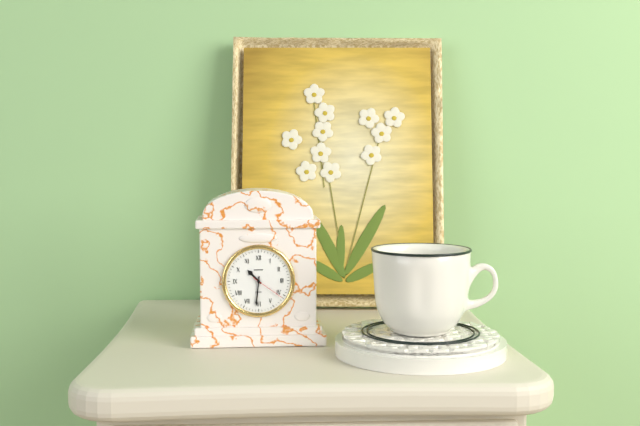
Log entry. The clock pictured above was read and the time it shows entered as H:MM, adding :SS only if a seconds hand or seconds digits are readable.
10:31
